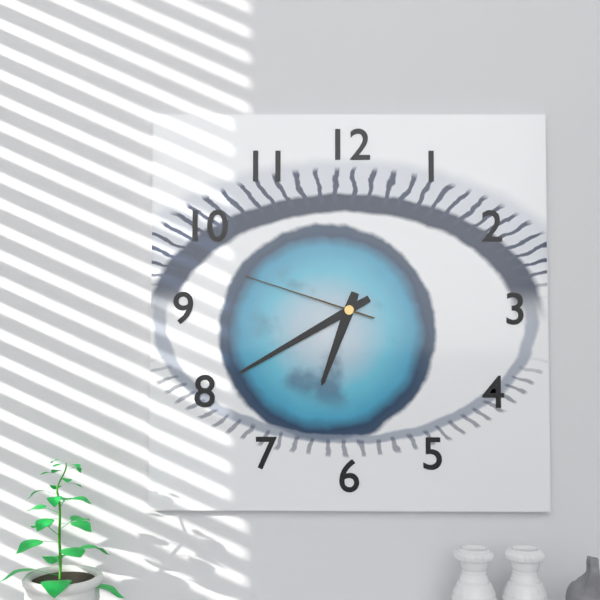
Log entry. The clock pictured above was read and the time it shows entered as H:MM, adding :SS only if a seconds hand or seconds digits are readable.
6:40:48
